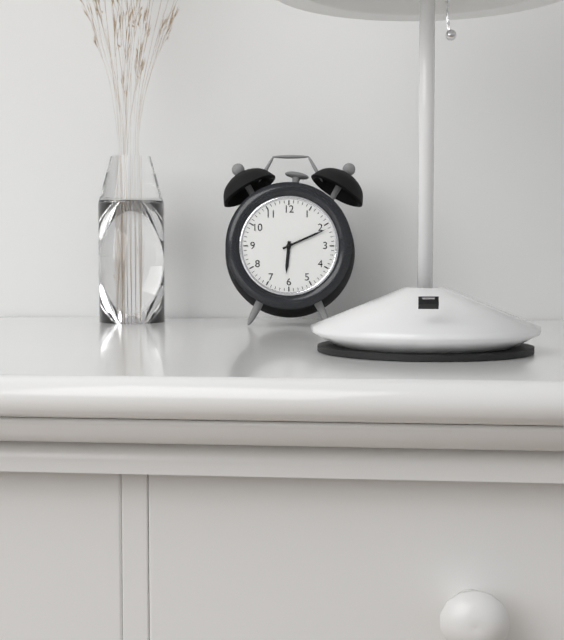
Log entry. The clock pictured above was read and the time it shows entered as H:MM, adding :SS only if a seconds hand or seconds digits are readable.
6:11
